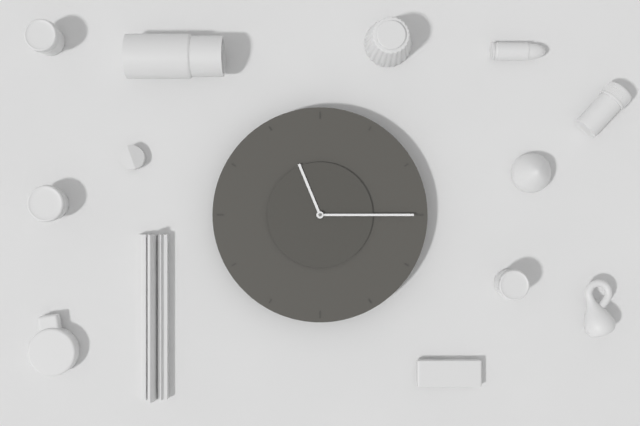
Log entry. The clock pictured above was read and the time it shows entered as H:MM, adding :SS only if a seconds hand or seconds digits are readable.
11:15
